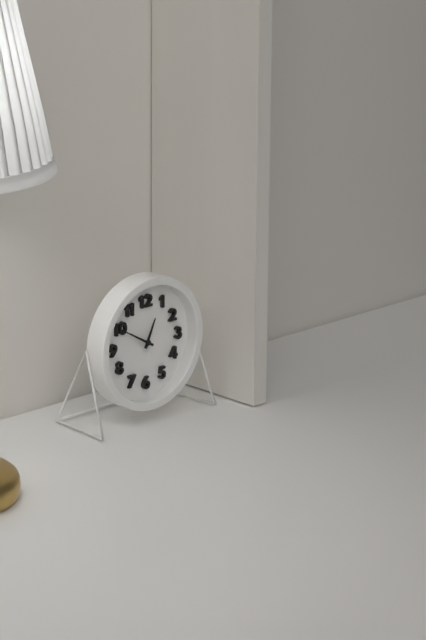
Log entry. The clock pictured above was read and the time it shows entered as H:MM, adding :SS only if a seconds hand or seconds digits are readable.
12:50
